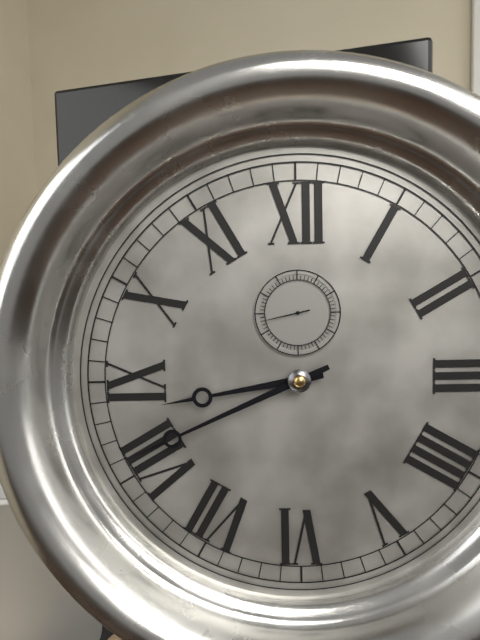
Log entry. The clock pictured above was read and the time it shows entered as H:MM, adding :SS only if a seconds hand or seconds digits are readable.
8:41
